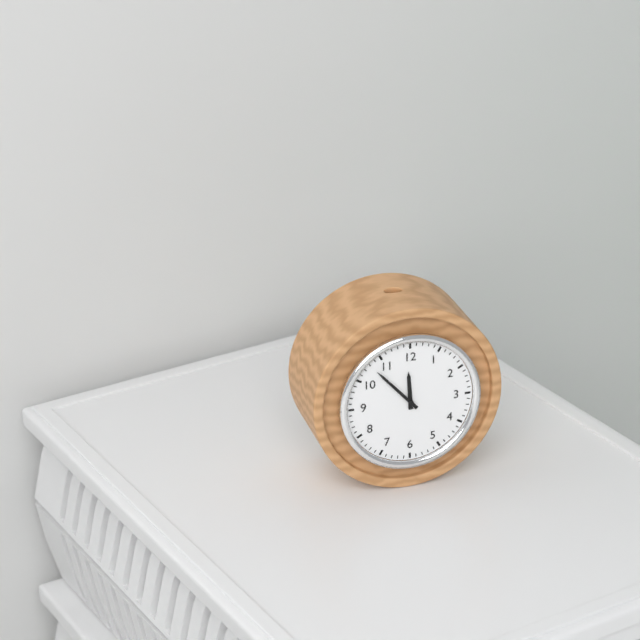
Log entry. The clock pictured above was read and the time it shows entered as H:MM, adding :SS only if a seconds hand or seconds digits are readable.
11:53
